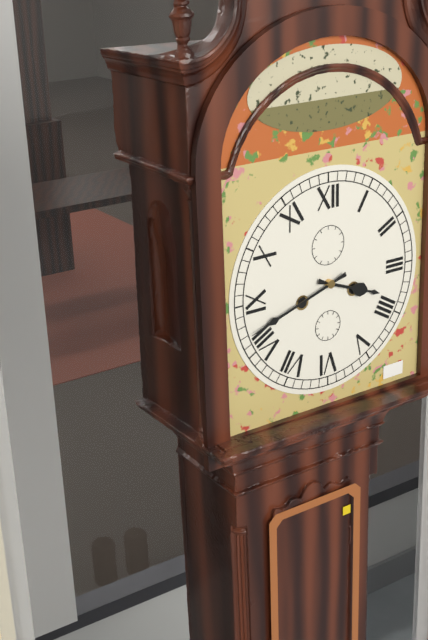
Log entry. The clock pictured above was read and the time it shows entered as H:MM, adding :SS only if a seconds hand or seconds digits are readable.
3:42
